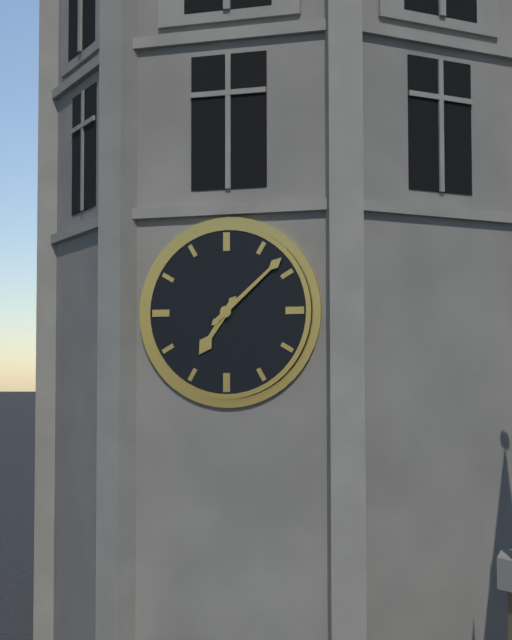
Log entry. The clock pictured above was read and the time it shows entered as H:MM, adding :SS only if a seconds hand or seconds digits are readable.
7:08
